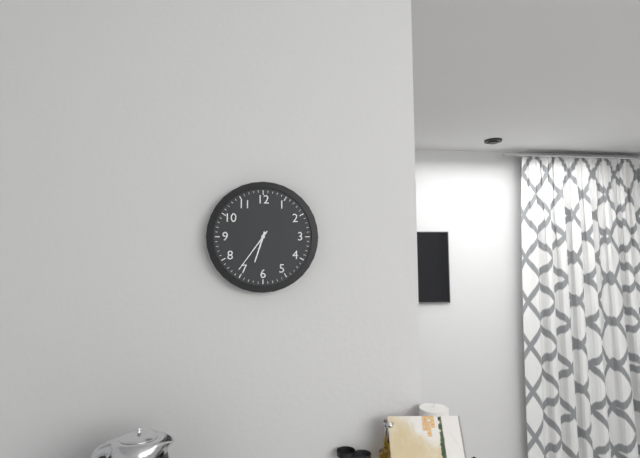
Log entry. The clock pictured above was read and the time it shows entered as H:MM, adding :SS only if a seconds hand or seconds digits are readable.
6:36
